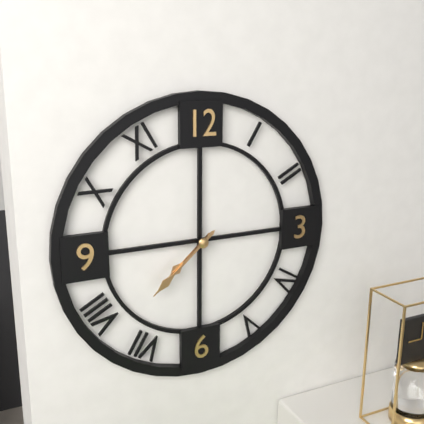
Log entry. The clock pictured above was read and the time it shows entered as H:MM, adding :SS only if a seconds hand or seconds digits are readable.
7:38
